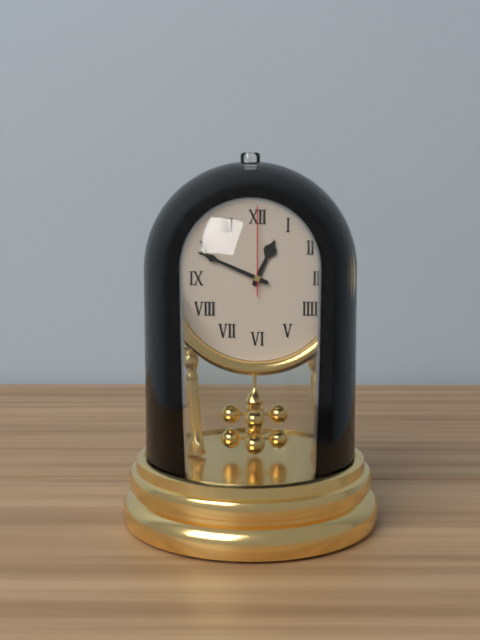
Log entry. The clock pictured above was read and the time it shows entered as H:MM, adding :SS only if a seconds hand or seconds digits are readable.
12:49:00
